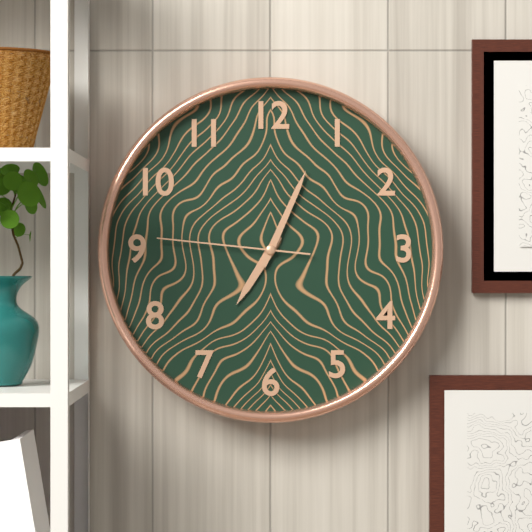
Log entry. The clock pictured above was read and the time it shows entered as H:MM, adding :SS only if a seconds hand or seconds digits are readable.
7:04:46
